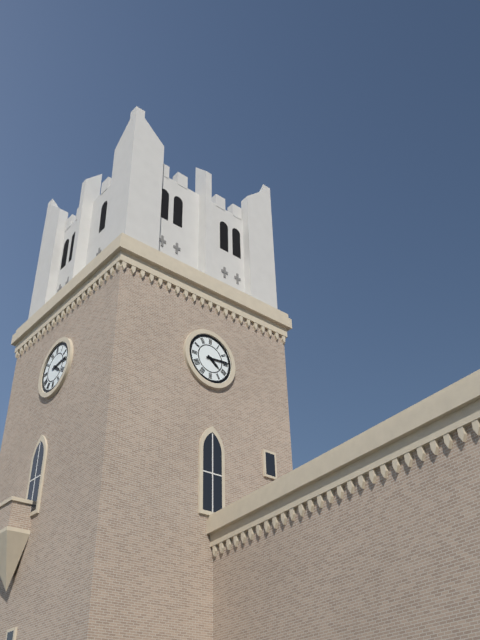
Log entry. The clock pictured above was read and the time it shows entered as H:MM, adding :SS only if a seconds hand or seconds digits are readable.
4:14
